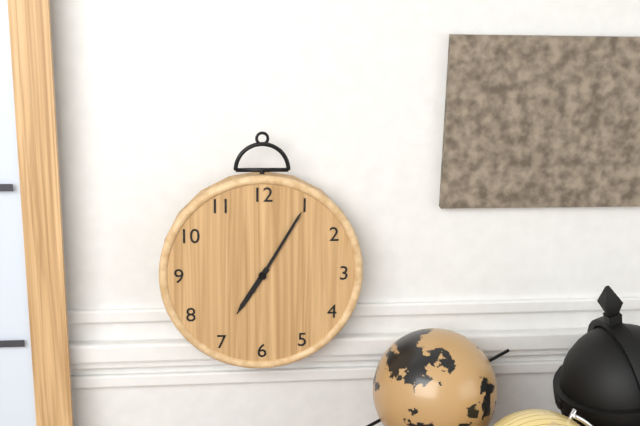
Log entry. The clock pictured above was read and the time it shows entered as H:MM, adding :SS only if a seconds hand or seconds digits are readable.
7:05
